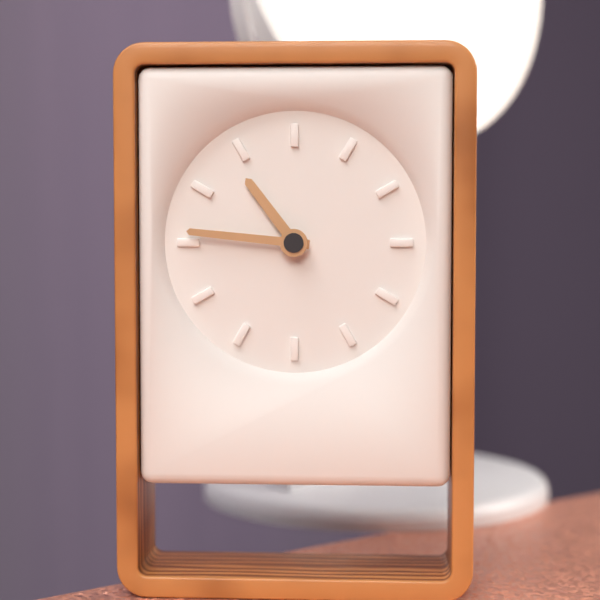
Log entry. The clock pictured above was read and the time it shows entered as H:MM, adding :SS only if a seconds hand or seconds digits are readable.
10:46
